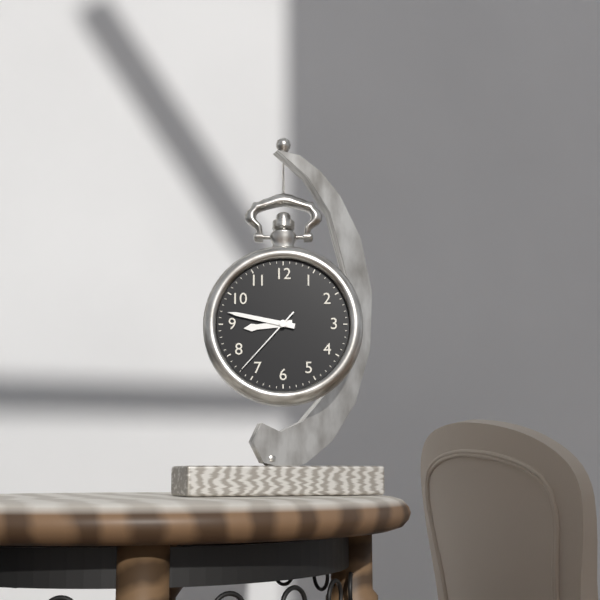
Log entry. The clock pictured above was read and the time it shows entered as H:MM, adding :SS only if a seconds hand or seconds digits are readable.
8:47:37
